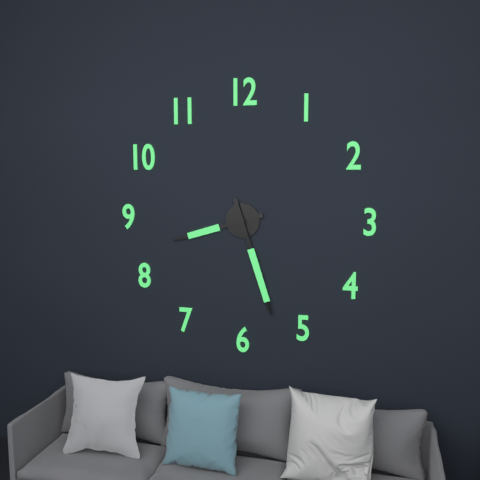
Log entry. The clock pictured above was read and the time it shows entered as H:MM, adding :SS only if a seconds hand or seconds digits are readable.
8:27
